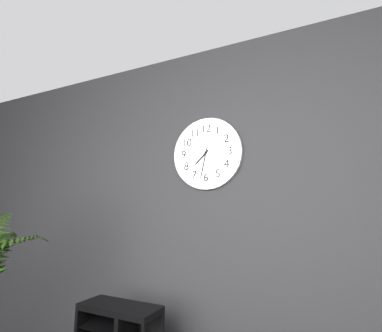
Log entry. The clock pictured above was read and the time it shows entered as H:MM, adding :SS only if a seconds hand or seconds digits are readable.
7:32
